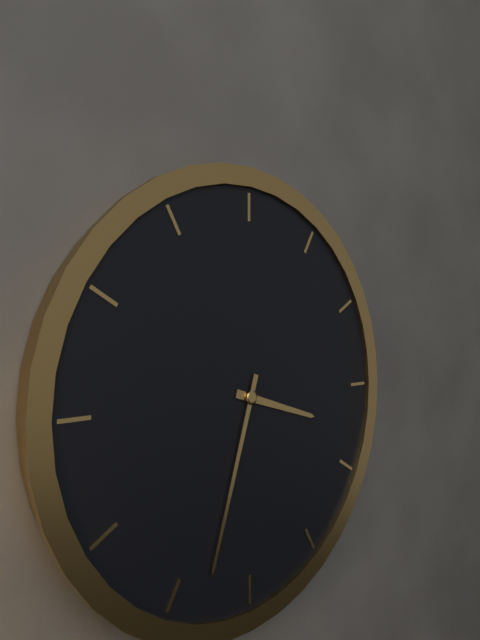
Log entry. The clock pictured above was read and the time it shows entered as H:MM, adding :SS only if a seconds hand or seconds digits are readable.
3:33
